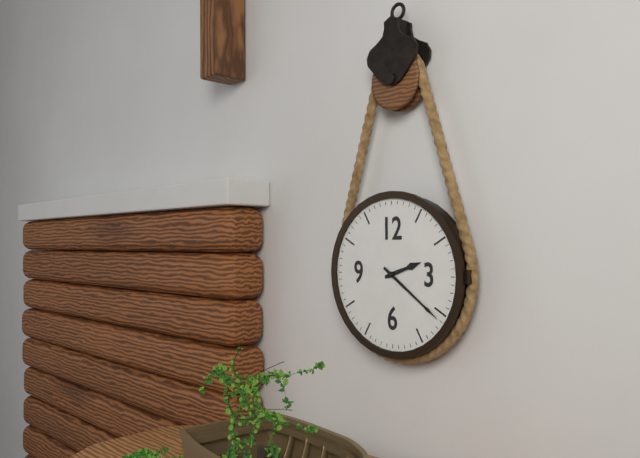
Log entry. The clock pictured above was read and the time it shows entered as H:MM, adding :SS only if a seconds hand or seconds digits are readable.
2:21
